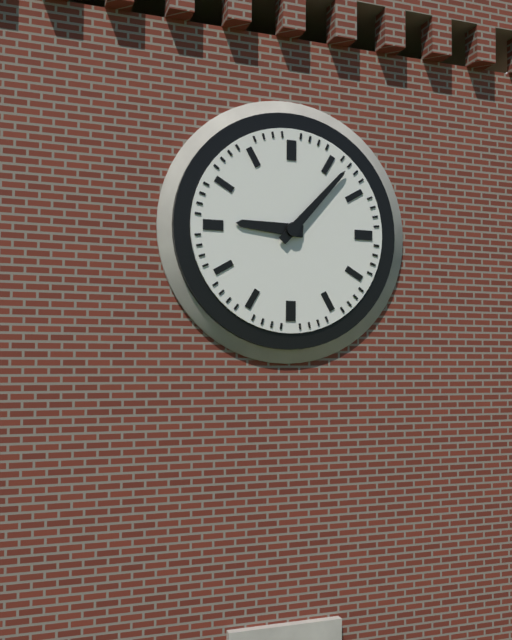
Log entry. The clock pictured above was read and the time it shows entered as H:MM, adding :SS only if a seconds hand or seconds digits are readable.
9:07
